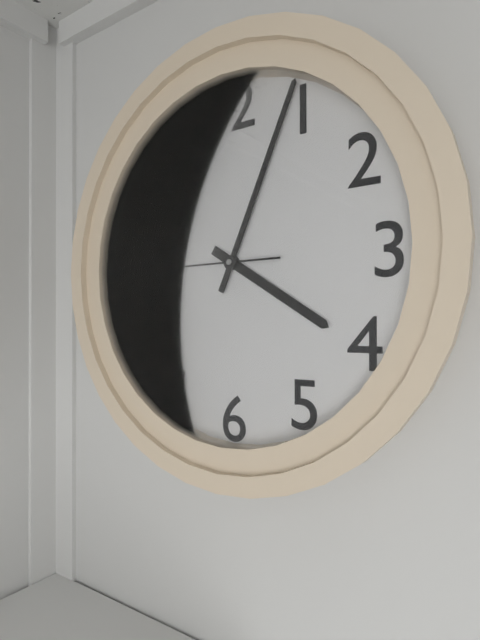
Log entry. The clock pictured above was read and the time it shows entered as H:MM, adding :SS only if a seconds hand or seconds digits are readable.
4:04:45
